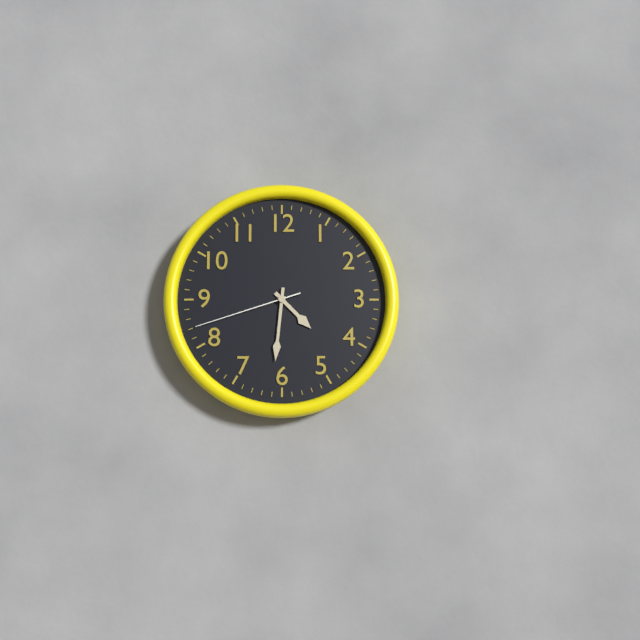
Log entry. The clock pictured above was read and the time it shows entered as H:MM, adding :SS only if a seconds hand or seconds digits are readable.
4:31:42
